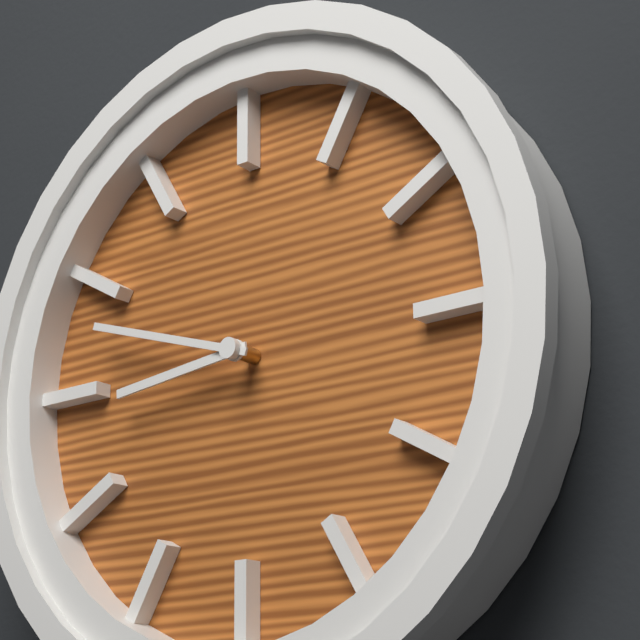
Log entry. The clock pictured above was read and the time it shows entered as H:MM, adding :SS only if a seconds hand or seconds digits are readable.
8:48
